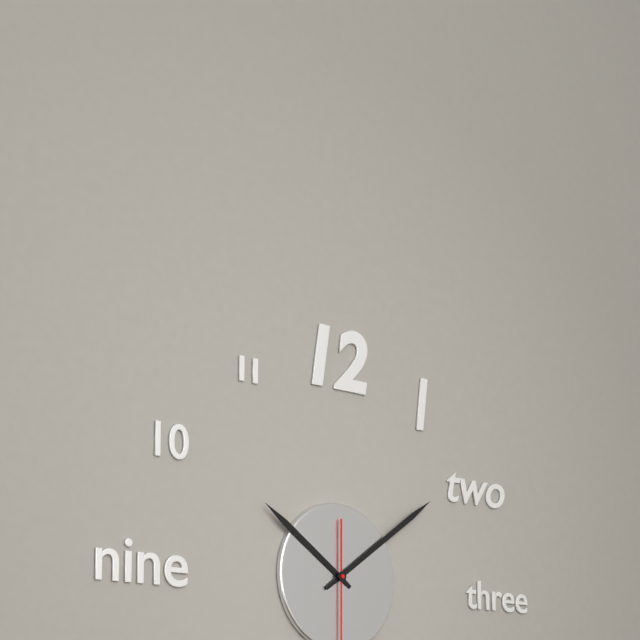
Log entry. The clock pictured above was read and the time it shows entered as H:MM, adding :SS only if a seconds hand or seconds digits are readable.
10:09
